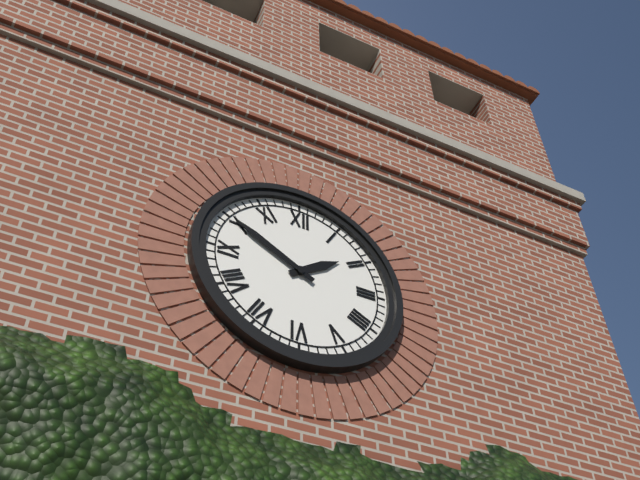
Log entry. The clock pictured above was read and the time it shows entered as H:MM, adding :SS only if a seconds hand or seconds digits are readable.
1:50
